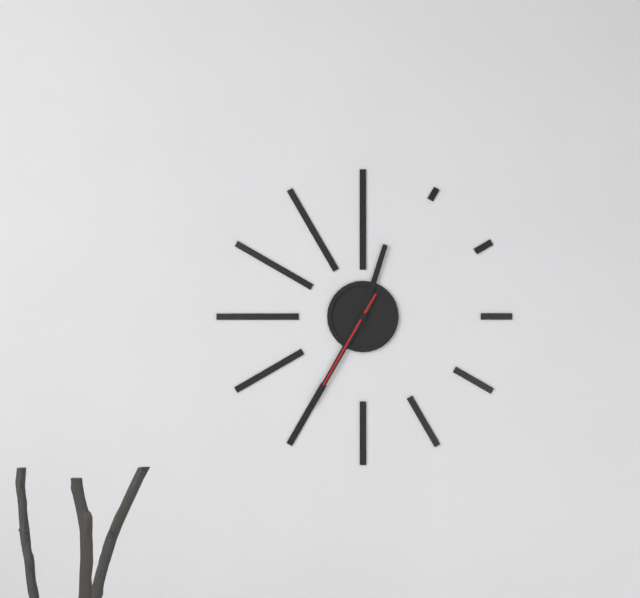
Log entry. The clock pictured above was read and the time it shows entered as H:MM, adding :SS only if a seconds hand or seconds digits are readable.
12:35:35
